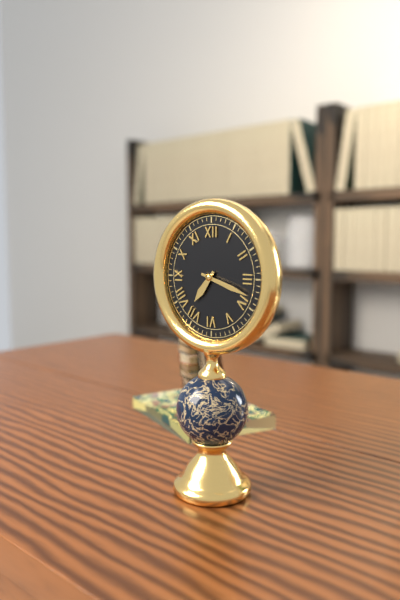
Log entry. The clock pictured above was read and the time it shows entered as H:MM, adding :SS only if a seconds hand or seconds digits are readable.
7:18
